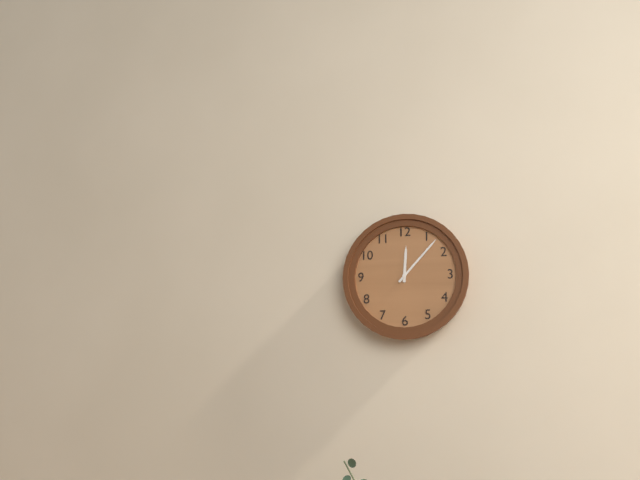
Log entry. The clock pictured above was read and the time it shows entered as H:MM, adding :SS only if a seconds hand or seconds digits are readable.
12:07
